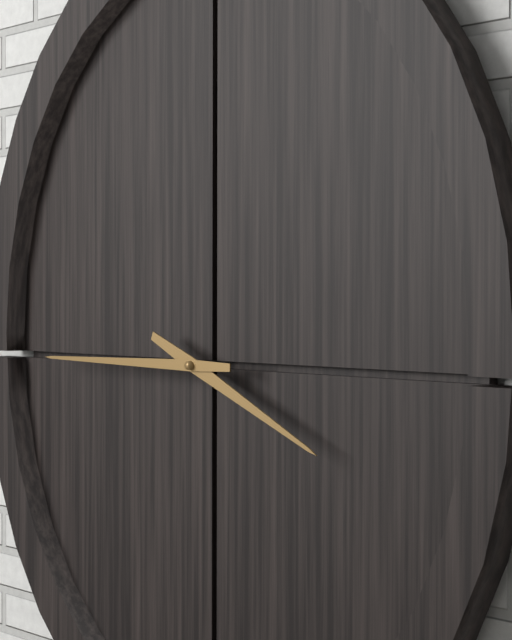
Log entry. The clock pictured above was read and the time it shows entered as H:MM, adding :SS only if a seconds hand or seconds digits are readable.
3:45
